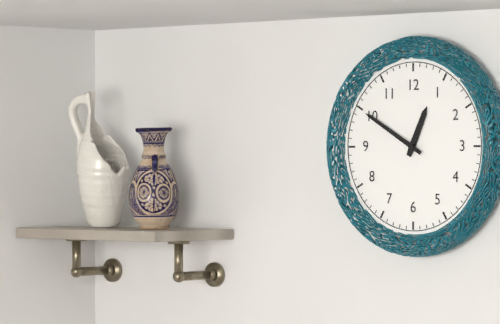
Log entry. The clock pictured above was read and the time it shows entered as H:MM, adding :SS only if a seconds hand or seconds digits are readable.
12:50
